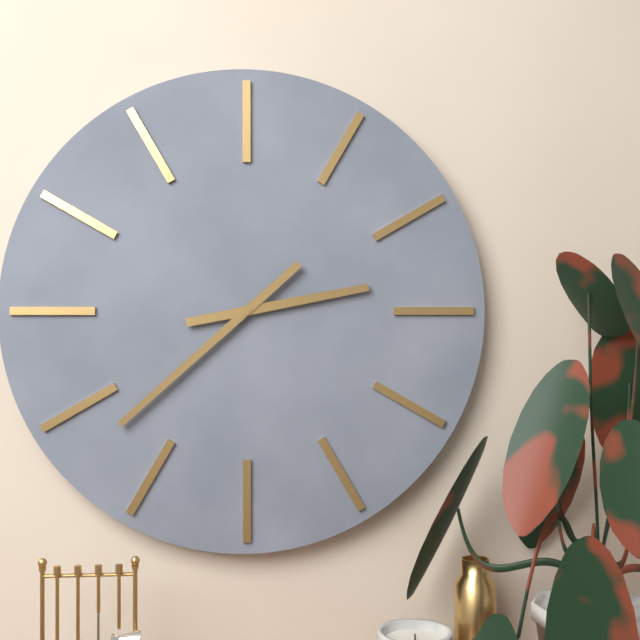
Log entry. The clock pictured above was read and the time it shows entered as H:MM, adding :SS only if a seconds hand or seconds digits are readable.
2:38
